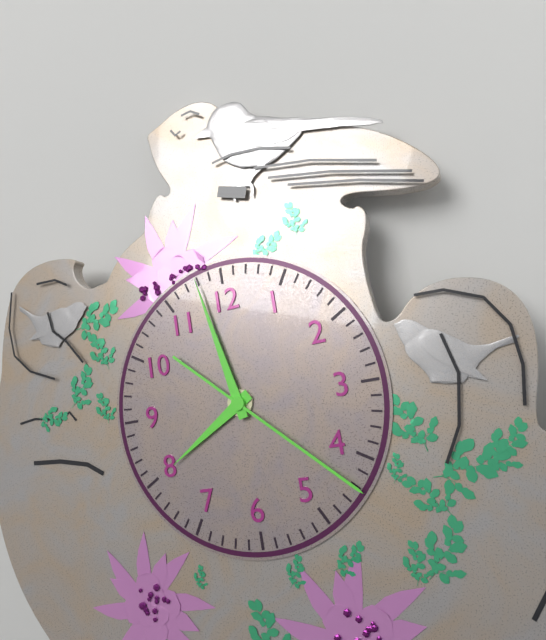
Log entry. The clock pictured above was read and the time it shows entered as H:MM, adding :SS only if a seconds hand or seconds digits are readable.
7:58:22
